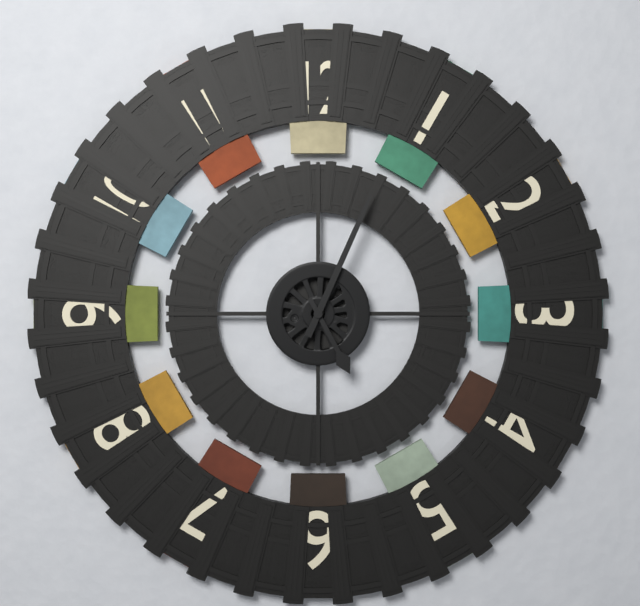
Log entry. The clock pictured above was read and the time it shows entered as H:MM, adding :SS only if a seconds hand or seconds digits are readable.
5:04
